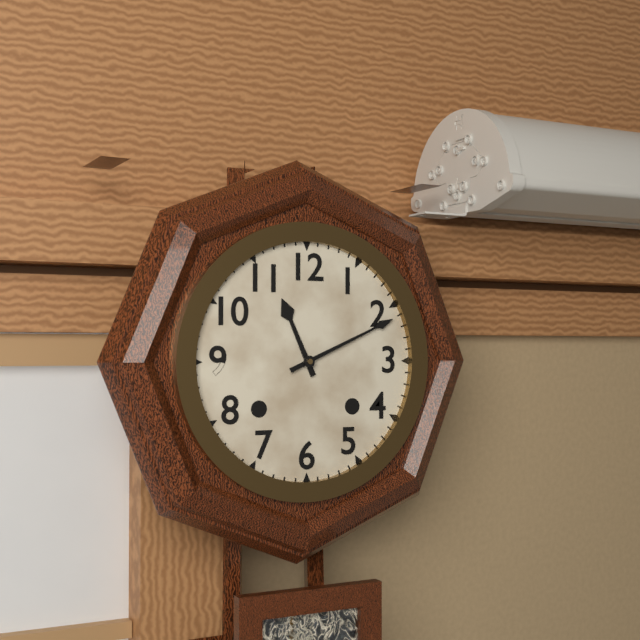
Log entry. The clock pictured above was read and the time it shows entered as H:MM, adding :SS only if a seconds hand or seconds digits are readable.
11:11
